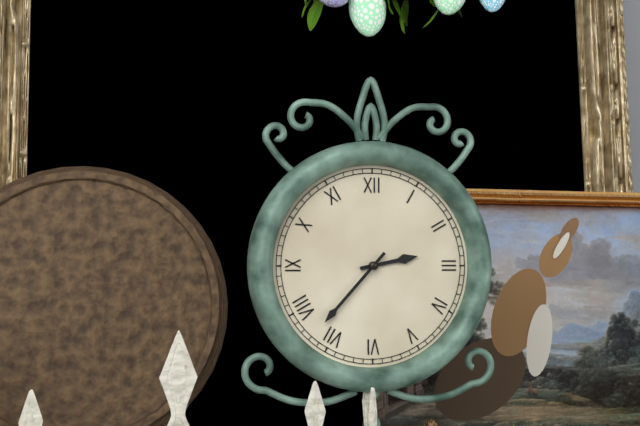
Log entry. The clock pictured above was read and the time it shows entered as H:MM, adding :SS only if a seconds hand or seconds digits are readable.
2:37
